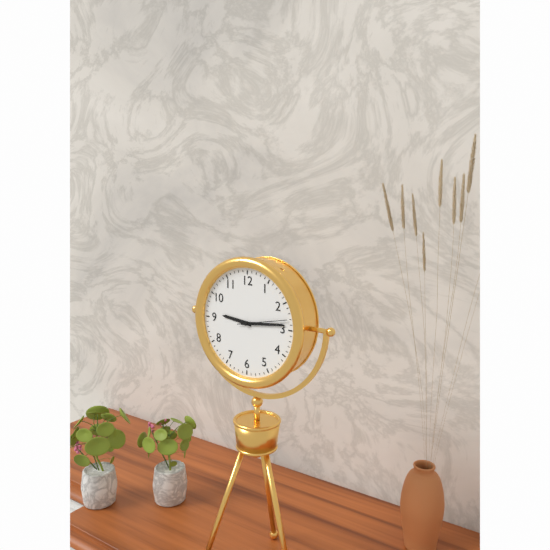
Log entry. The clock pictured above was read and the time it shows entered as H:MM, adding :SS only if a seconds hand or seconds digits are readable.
9:14:13
